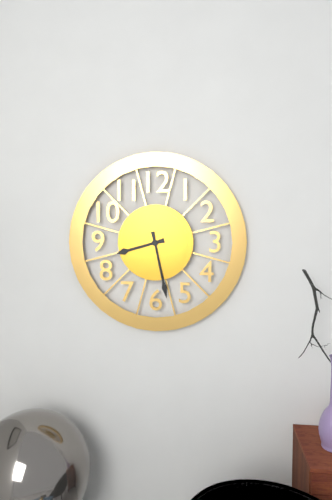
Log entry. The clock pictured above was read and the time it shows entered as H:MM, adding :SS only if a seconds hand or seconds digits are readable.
8:28
